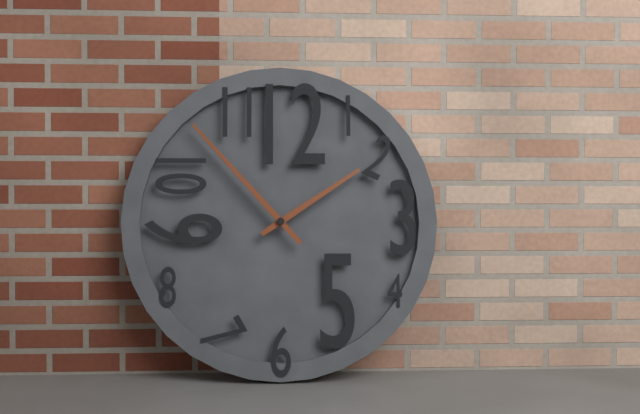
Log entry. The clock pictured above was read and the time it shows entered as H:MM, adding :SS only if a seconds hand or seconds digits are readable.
1:53
